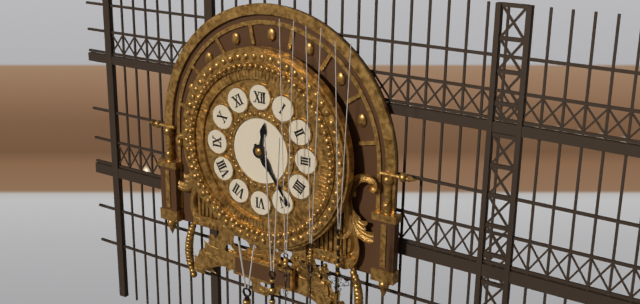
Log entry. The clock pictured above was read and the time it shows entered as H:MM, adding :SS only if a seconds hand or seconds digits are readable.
12:24
